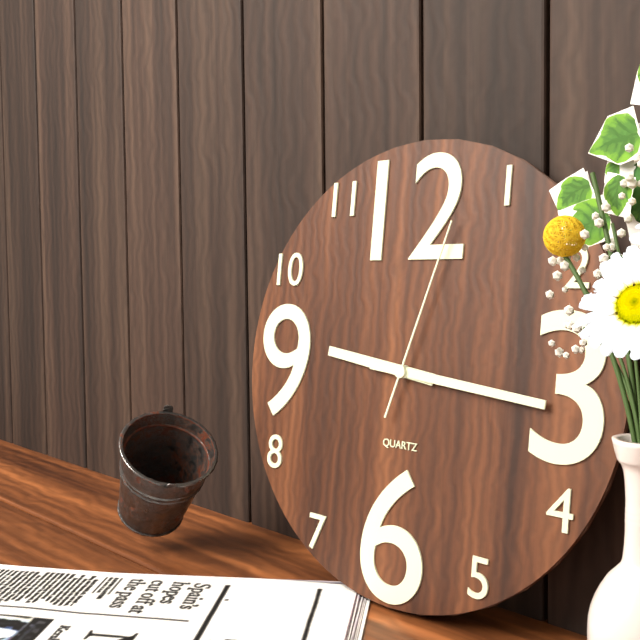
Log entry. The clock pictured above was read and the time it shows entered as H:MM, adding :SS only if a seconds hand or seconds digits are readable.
9:16:03
